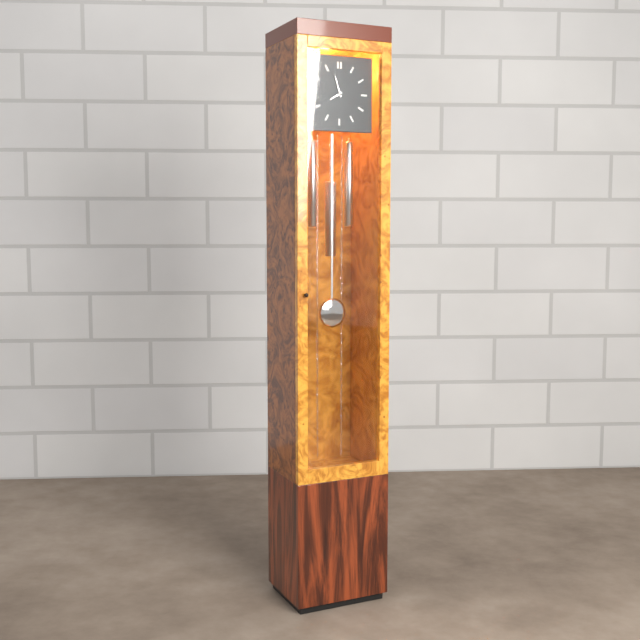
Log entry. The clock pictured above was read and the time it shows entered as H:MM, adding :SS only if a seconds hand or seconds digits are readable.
7:57
